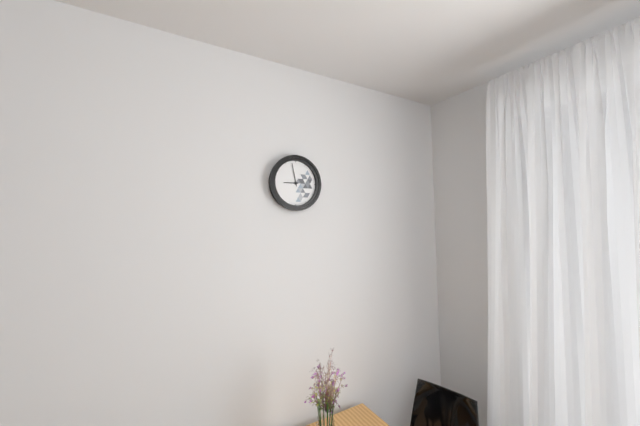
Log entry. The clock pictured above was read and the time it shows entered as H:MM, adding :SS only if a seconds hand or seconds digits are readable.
8:58
